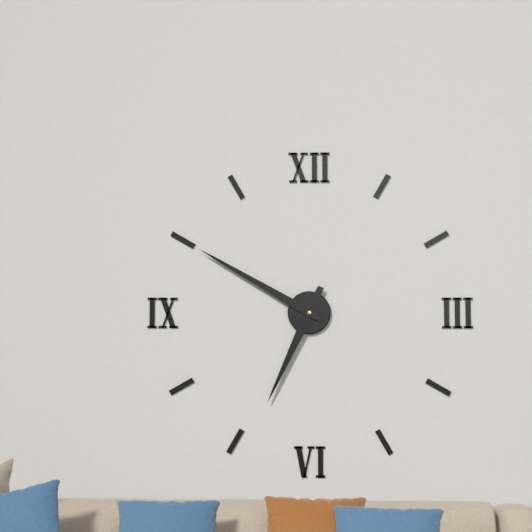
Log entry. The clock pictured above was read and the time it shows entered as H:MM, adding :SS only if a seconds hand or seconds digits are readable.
6:50
